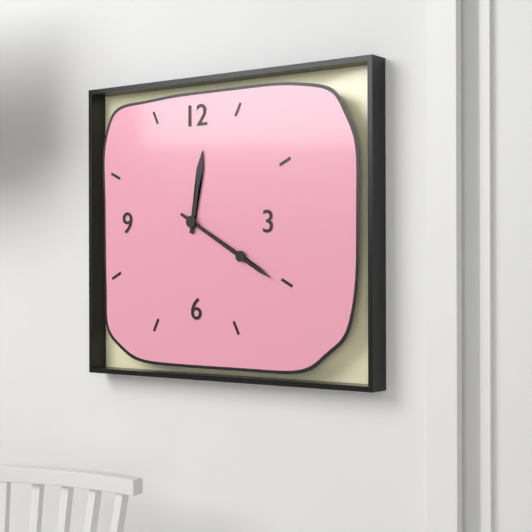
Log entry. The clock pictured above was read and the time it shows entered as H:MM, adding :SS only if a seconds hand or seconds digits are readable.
12:20
